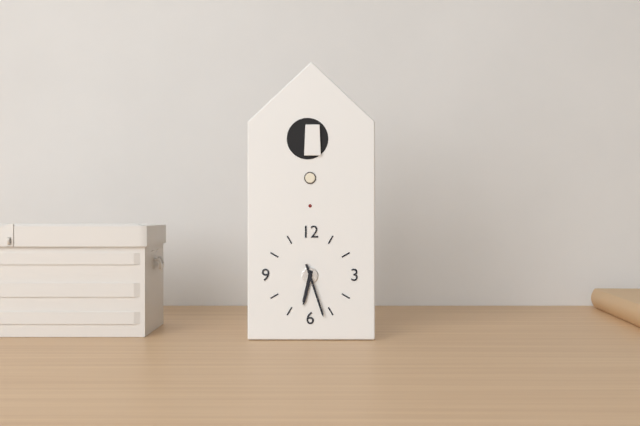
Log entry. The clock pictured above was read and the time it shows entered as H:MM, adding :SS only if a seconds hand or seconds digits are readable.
6:27
